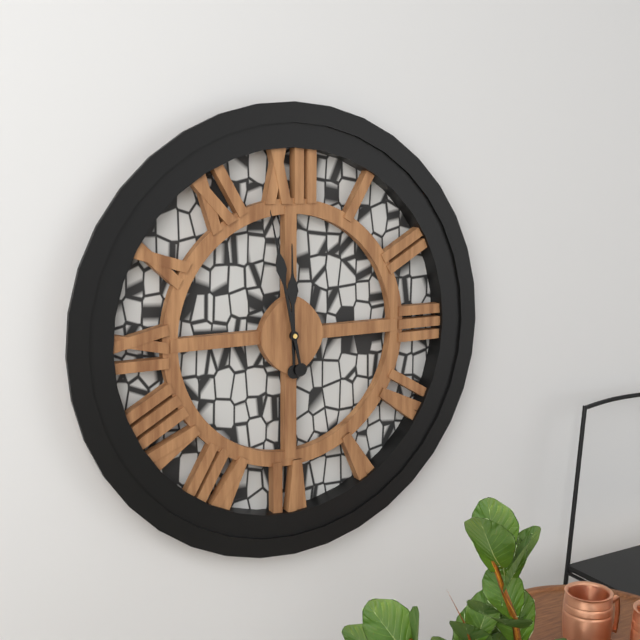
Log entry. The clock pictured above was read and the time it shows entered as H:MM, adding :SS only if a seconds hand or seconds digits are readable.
11:58
